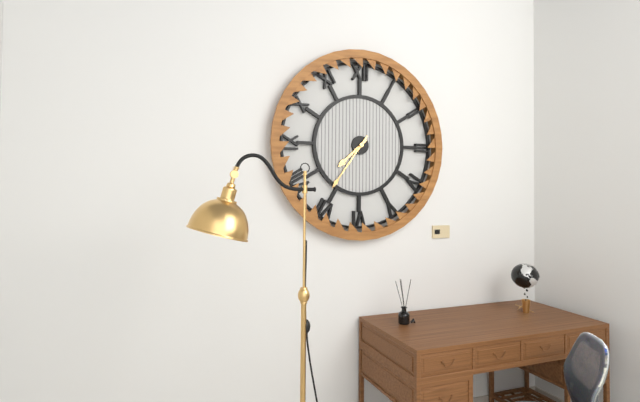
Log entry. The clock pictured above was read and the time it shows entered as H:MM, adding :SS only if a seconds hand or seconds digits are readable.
7:36
